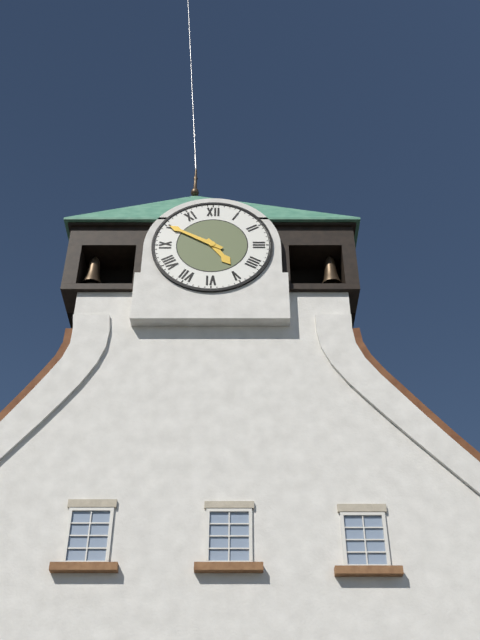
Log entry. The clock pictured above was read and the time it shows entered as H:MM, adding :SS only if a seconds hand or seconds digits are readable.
4:50
